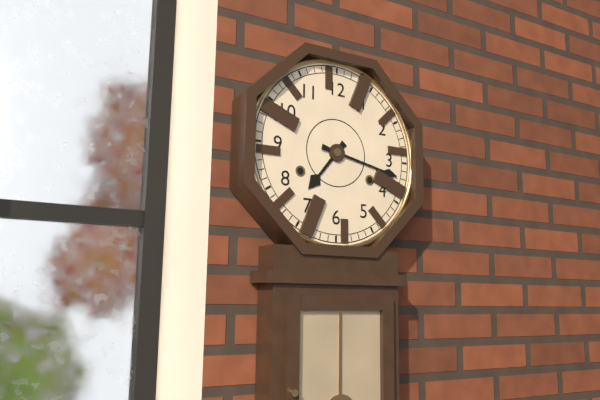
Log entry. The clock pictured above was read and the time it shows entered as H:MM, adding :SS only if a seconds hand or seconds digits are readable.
7:17
